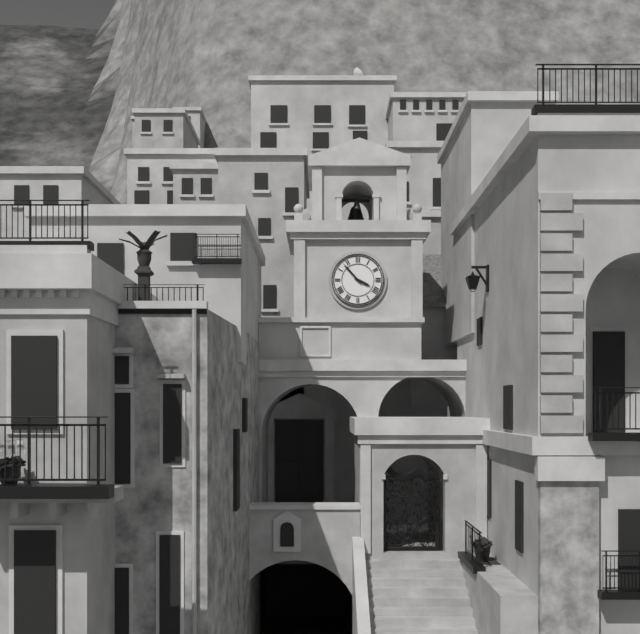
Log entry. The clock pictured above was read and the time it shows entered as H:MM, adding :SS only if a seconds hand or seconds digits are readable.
3:53
